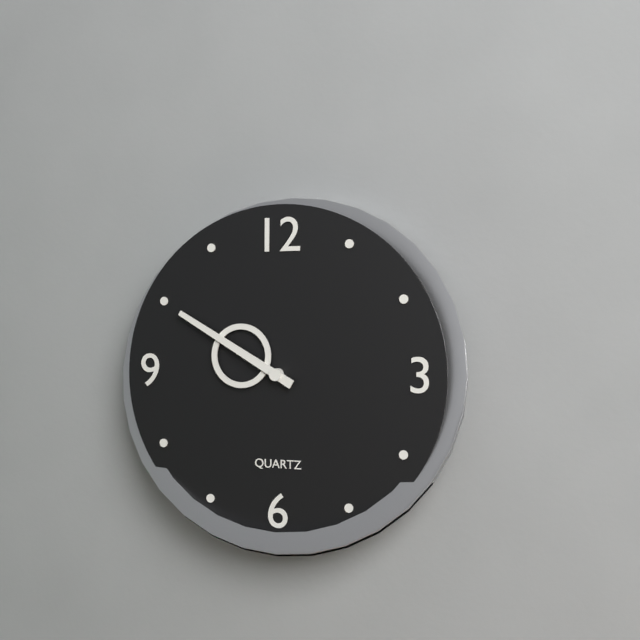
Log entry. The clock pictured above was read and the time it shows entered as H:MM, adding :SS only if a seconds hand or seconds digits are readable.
9:50
